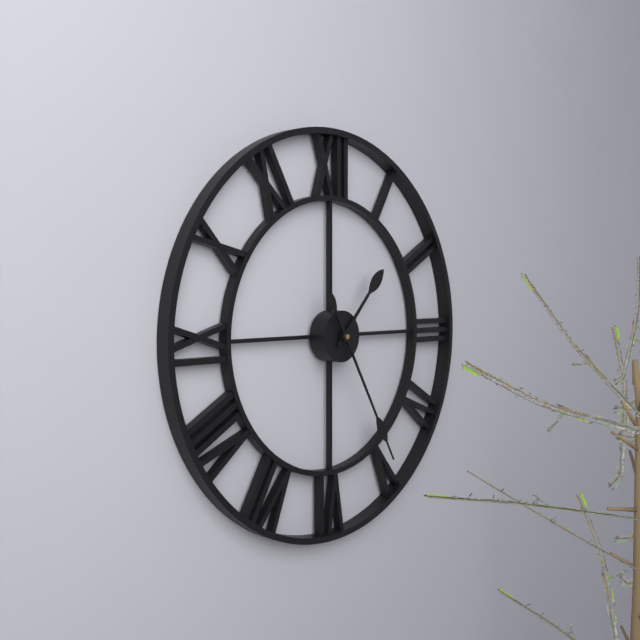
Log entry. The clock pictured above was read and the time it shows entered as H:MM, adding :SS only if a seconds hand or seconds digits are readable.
1:25
